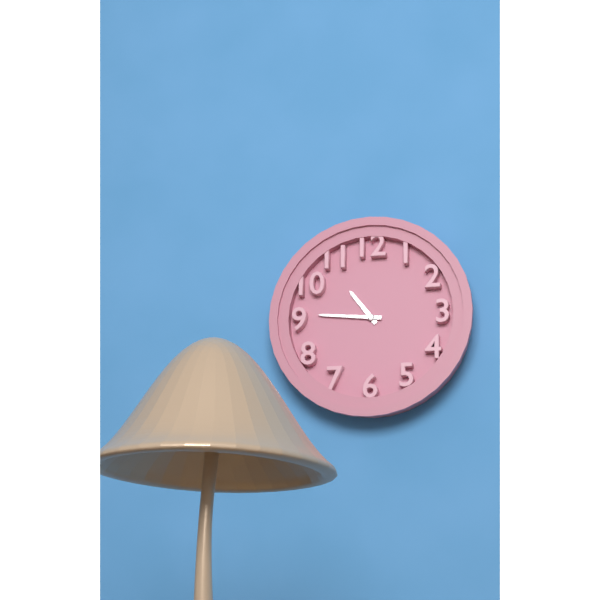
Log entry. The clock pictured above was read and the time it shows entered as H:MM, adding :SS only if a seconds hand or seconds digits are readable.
10:46
